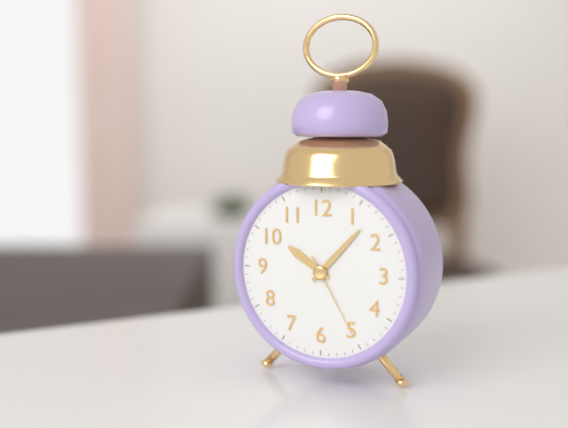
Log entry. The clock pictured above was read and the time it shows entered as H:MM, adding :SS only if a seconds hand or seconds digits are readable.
10:07:25
